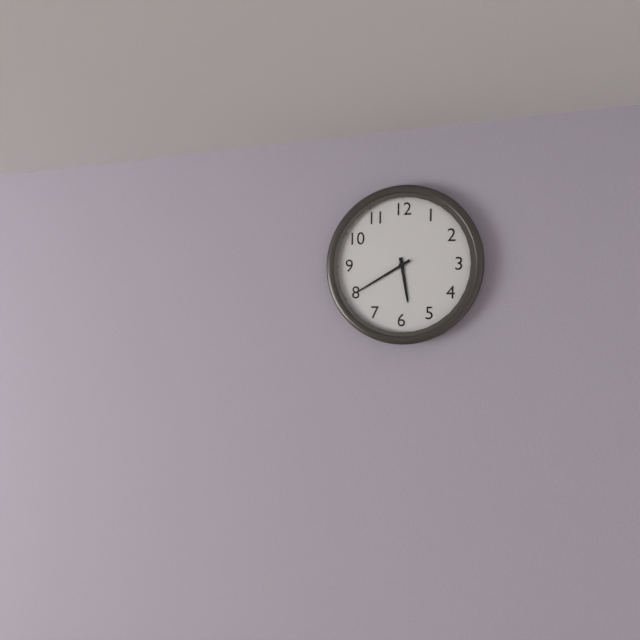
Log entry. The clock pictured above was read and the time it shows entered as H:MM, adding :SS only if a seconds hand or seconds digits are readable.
5:40
